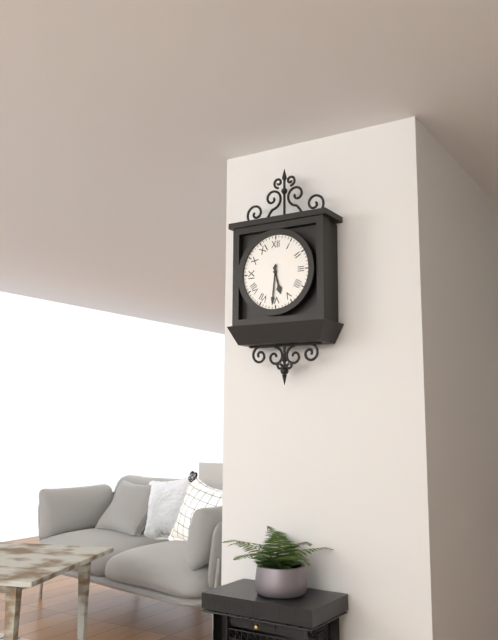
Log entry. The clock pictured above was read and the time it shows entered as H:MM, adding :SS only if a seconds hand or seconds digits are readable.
5:31
